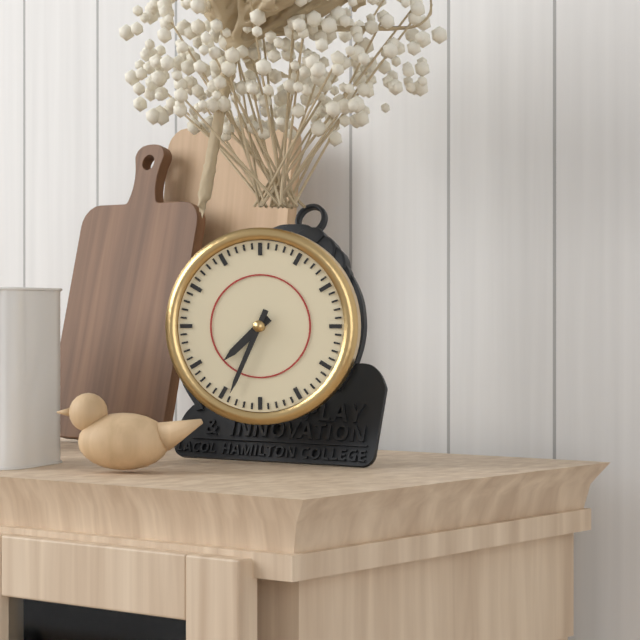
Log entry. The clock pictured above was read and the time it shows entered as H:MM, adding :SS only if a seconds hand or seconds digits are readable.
7:34
